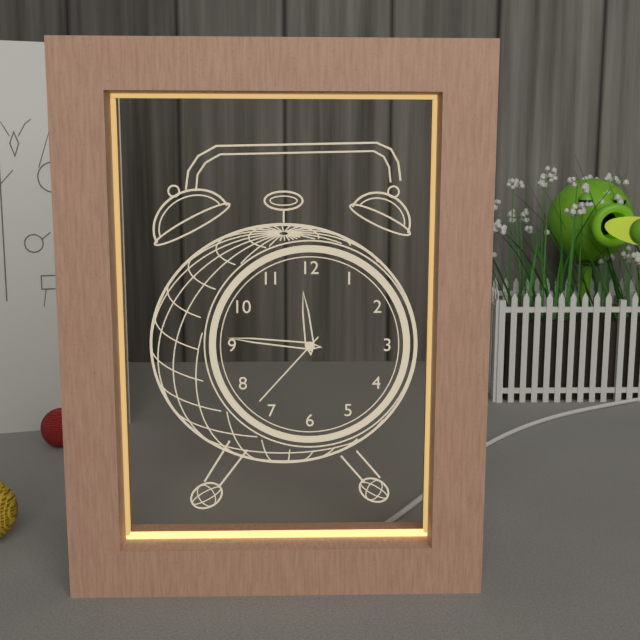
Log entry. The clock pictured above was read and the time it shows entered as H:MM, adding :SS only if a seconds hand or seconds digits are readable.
11:46:37
